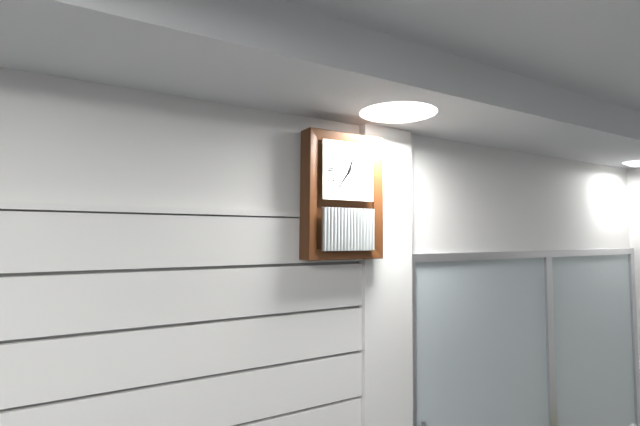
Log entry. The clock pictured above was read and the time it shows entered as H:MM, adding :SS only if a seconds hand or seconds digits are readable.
12:36
